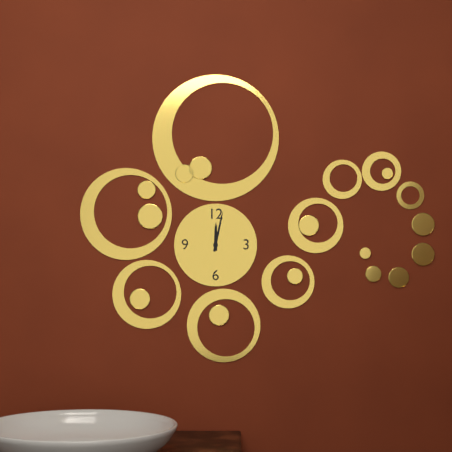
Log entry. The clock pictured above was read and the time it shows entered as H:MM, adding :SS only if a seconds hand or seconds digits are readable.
12:02
